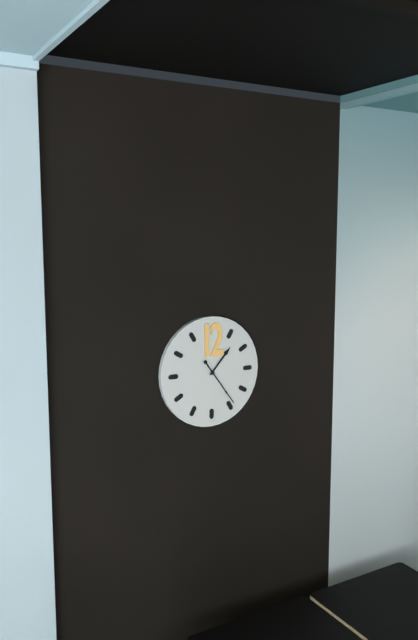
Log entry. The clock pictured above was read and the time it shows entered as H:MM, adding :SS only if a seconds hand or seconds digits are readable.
1:24
